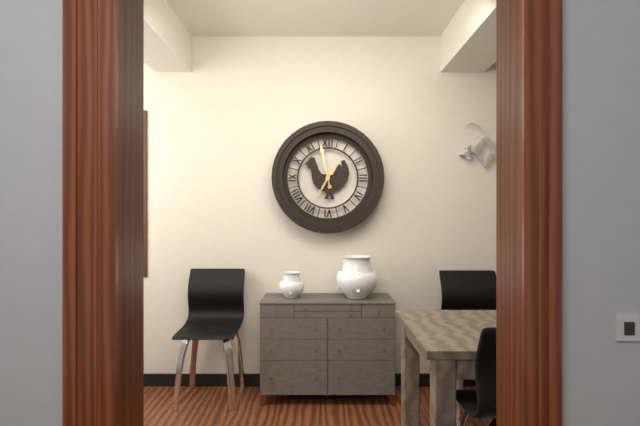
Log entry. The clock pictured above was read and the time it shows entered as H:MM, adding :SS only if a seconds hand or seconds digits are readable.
6:58
